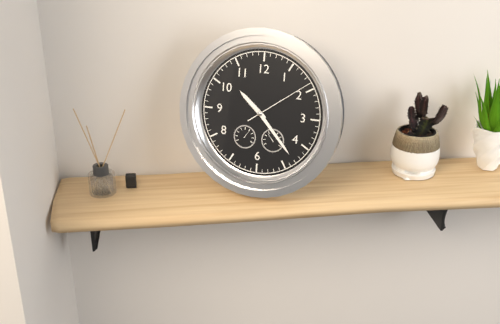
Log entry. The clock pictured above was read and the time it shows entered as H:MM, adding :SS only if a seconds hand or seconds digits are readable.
10:23:09
